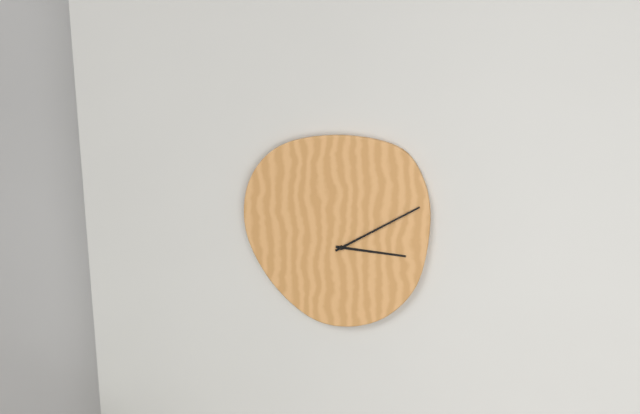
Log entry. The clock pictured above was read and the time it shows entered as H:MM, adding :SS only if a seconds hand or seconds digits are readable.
3:10
